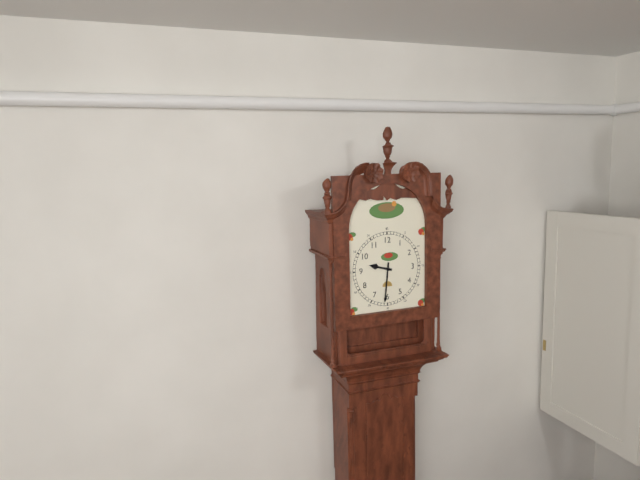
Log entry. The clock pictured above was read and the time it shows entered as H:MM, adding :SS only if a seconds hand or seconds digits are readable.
9:31
